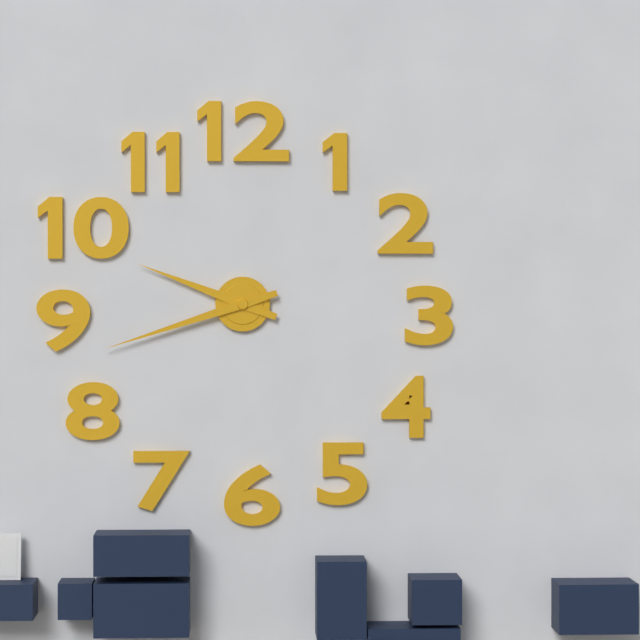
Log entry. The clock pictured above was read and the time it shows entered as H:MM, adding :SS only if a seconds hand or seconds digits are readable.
9:42
